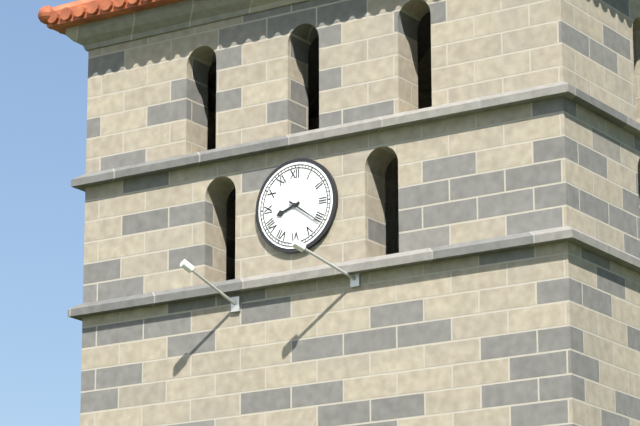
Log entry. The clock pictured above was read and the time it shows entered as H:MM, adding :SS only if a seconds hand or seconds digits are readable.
8:21
